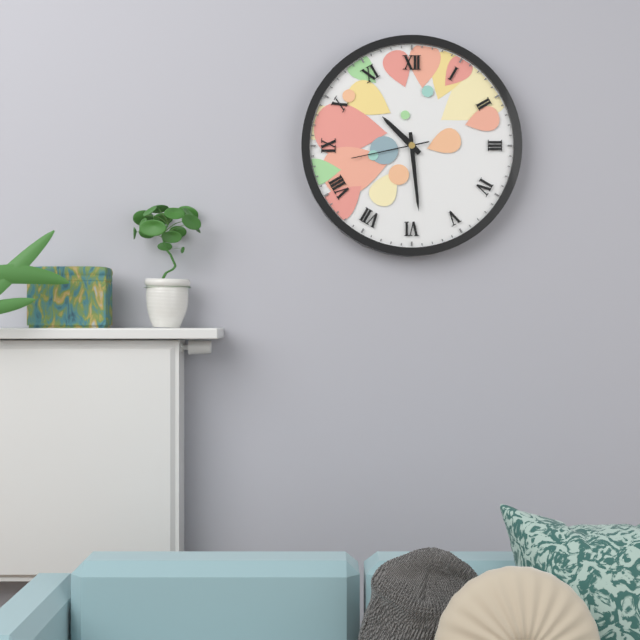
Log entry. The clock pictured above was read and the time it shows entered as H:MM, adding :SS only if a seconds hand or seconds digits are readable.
10:29:43
